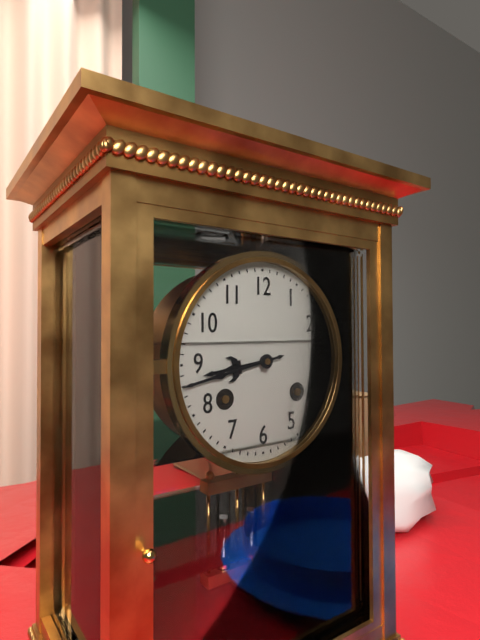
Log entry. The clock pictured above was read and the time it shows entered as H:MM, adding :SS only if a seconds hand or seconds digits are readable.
8:43
